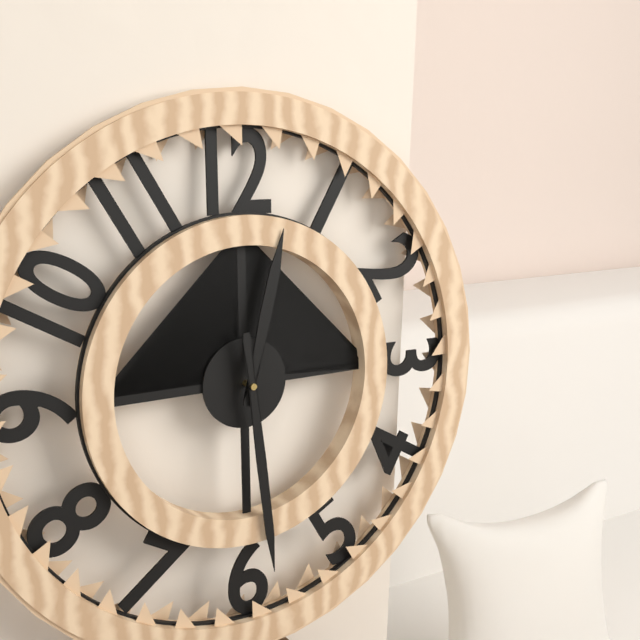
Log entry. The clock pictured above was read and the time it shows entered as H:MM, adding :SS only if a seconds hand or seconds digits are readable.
12:29
